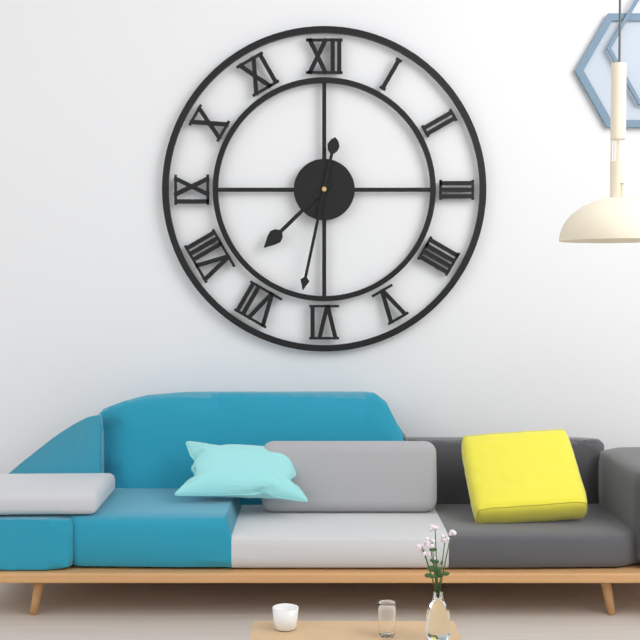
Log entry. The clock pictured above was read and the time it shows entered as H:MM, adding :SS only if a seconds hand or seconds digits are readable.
7:32
